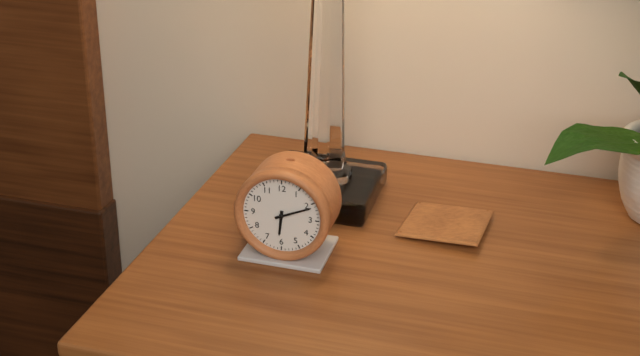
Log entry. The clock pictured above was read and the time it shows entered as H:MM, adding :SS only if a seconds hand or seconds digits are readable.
6:11
